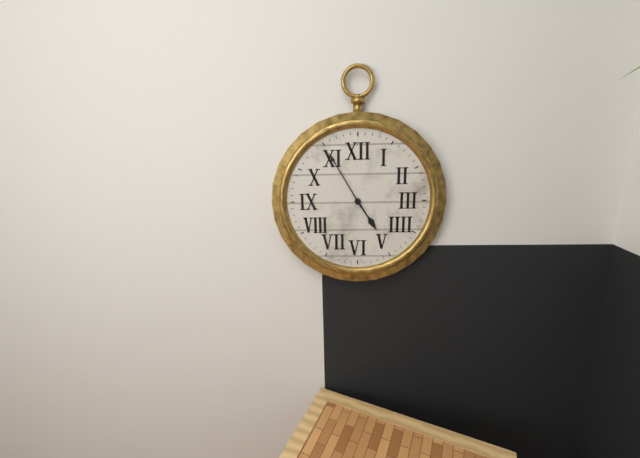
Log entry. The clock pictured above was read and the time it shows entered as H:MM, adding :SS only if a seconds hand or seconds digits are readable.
4:55
